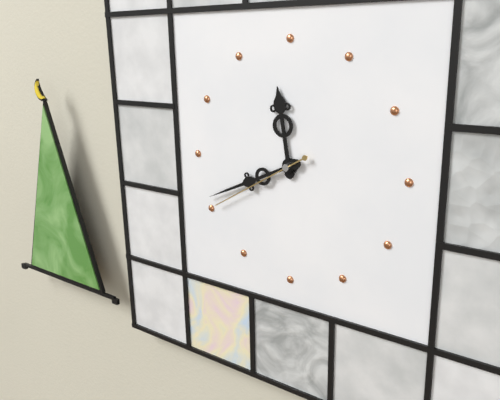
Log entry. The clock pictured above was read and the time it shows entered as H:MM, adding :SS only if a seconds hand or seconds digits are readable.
11:41:40
